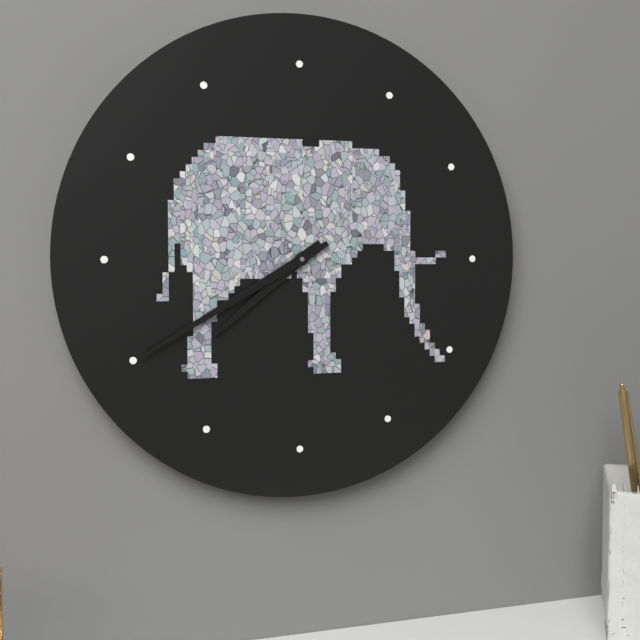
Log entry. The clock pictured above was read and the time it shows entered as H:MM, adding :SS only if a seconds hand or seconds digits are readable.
7:40
